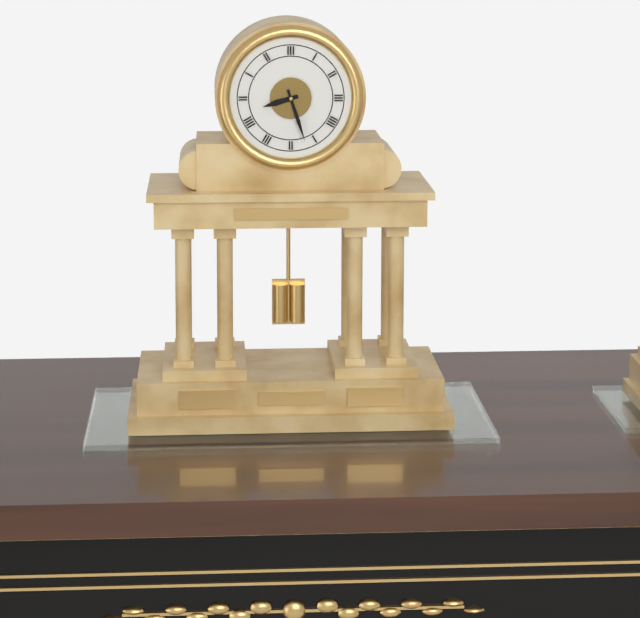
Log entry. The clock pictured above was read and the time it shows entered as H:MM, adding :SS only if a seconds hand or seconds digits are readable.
8:27
